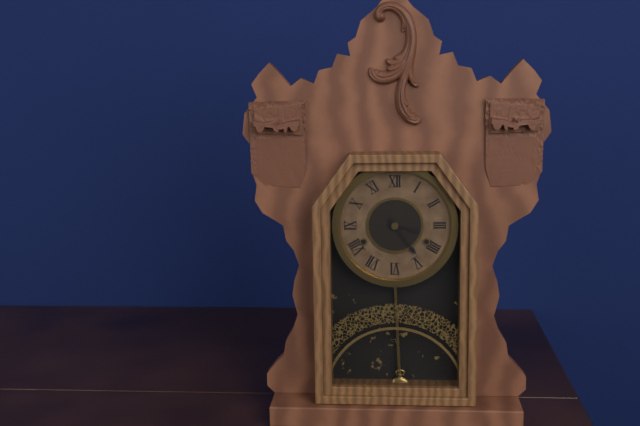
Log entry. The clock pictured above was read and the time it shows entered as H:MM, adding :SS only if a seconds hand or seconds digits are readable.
3:24
